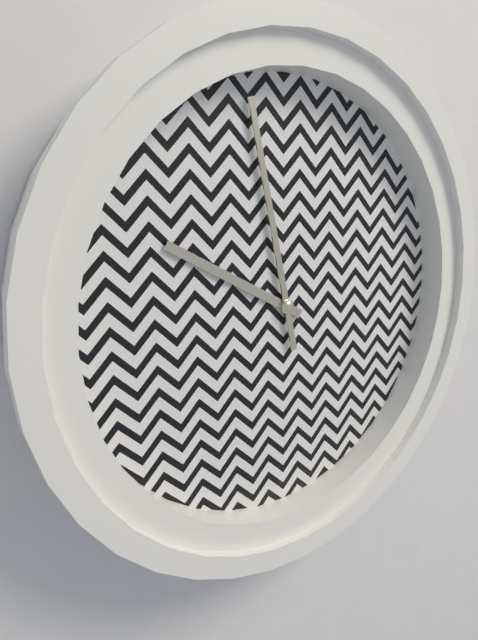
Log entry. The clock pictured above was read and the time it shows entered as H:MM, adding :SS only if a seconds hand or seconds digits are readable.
9:58
